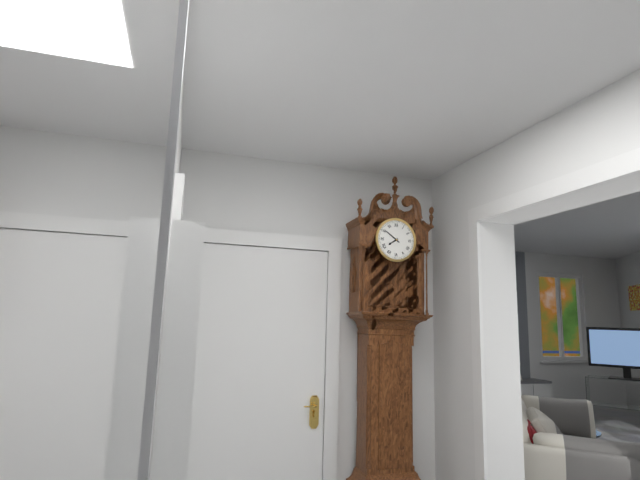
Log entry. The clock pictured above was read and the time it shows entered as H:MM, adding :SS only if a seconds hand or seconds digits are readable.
7:51
